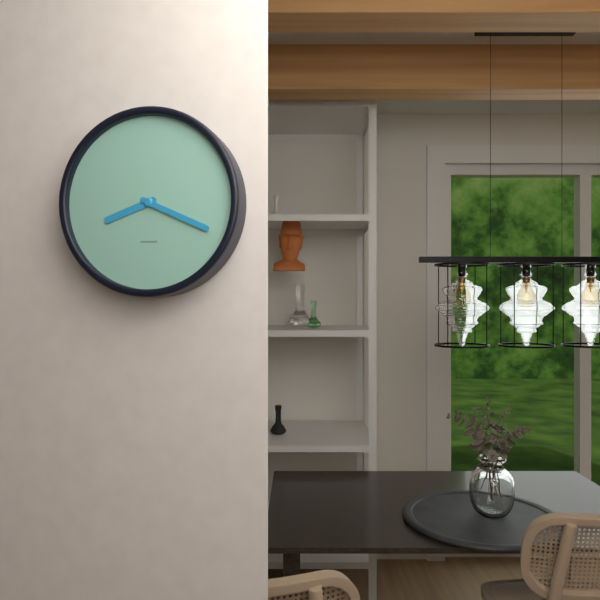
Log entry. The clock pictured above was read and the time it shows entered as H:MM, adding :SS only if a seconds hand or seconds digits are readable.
8:19
